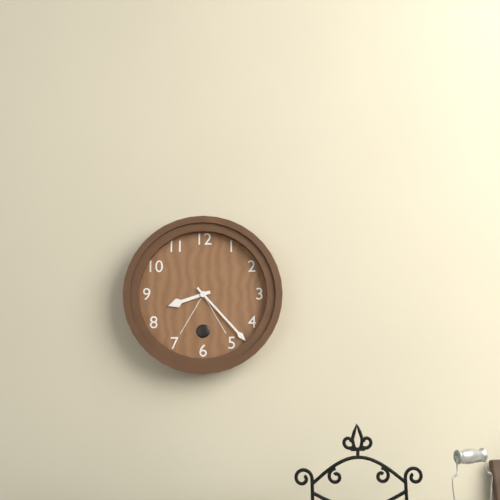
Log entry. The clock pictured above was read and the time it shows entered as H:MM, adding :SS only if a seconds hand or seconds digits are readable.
8:23
